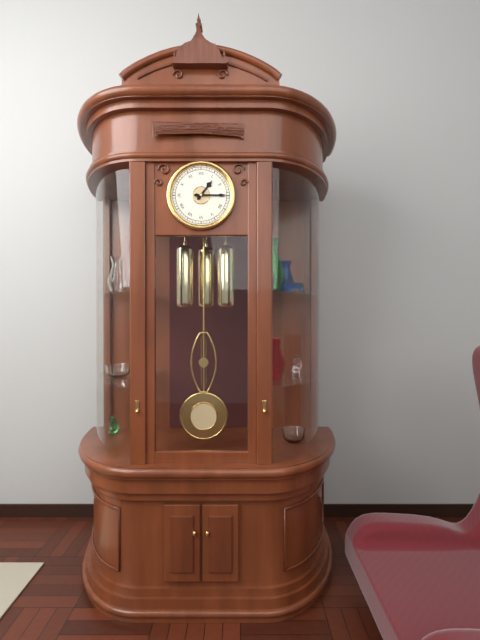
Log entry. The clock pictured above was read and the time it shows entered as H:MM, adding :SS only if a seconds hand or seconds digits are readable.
1:15
